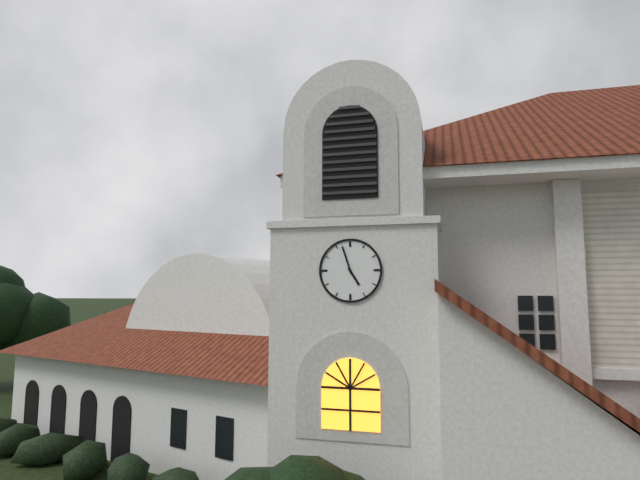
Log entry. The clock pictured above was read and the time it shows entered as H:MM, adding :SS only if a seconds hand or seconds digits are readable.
4:57
